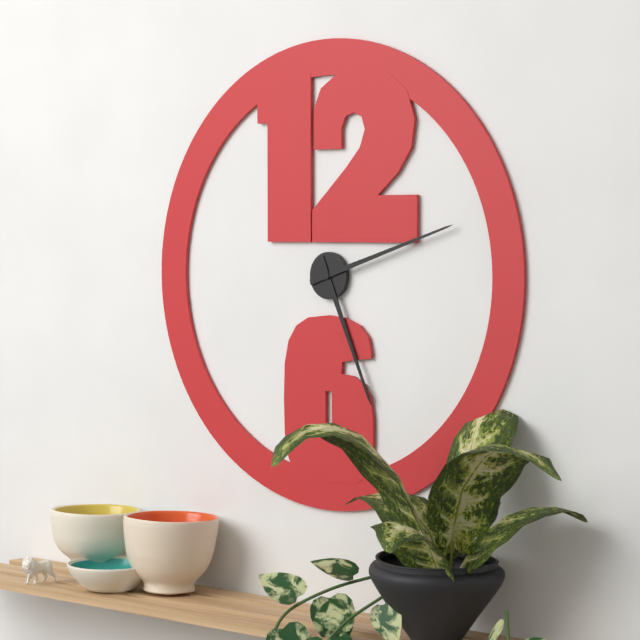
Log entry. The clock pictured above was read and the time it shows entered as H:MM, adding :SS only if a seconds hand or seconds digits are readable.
5:12
